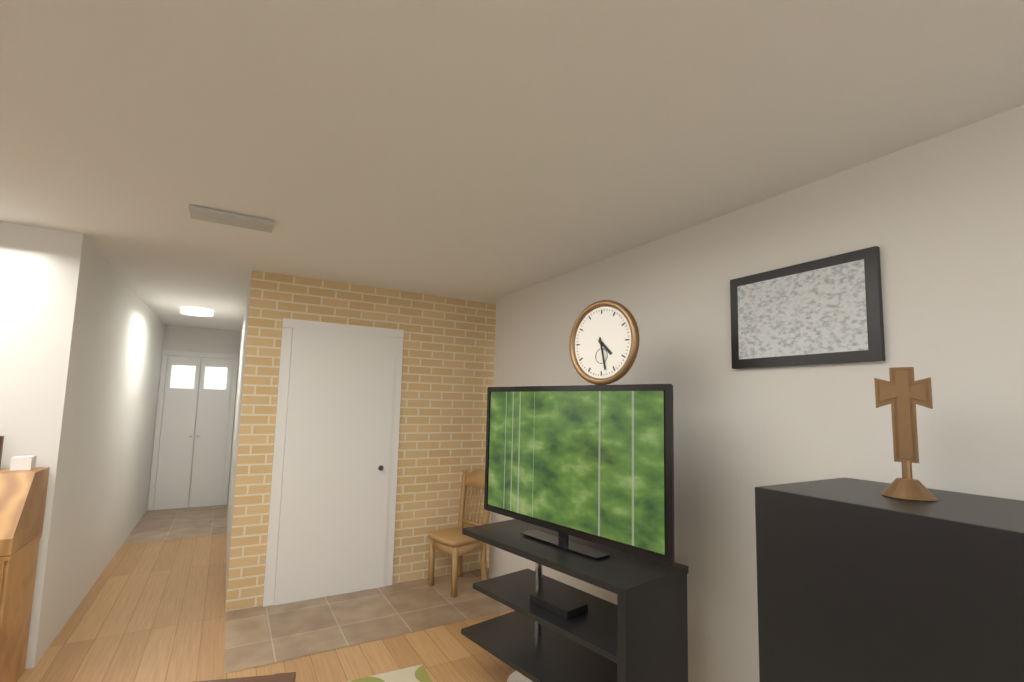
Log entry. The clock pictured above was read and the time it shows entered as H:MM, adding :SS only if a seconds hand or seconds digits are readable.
4:28
